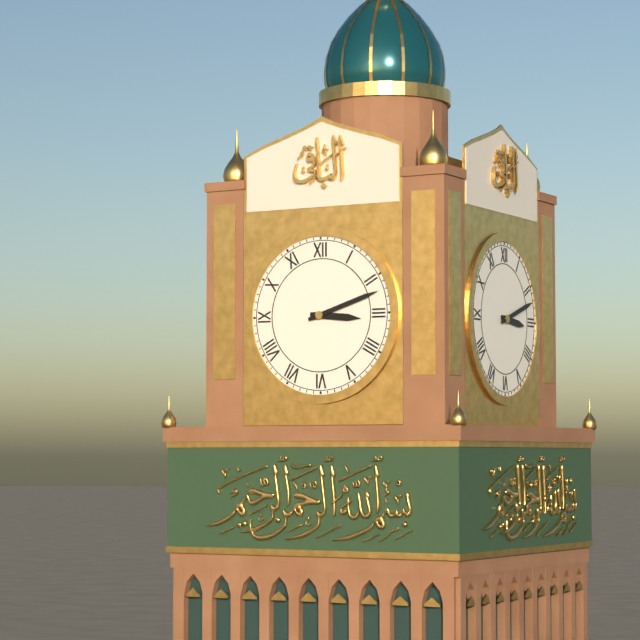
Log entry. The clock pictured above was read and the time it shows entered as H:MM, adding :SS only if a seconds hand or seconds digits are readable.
3:12
